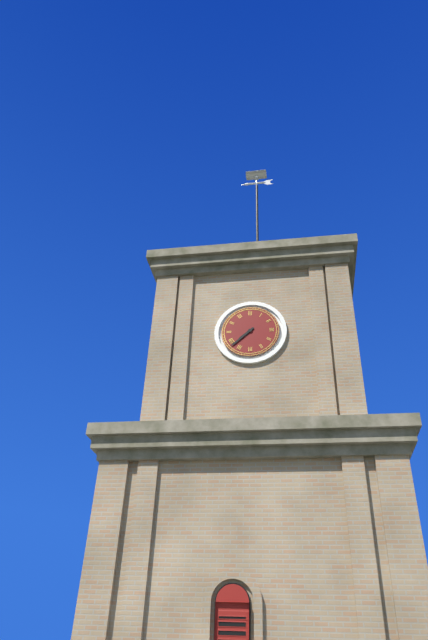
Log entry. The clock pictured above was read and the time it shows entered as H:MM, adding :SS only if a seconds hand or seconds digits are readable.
7:38
